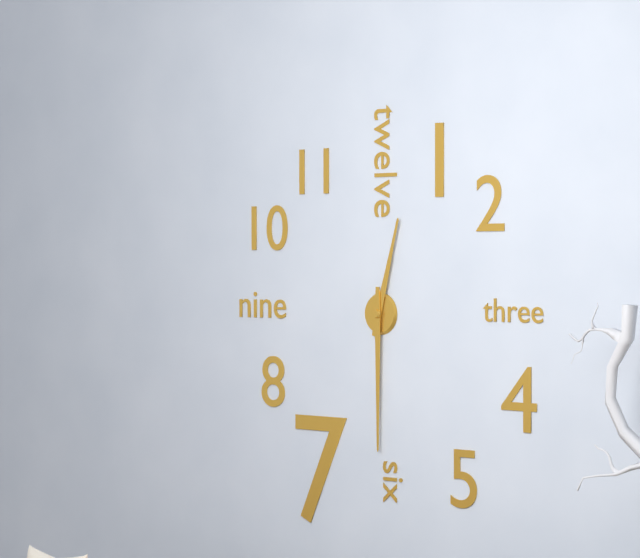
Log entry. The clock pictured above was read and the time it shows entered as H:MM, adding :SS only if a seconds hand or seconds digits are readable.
12:30
